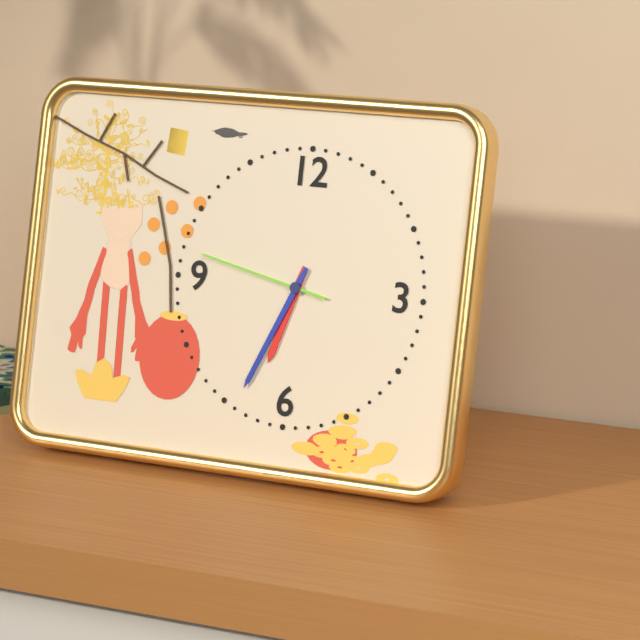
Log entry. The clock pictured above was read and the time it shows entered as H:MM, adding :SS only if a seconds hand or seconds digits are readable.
6:34:47
